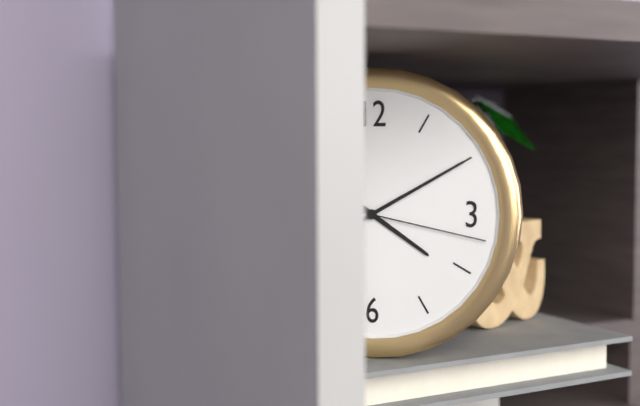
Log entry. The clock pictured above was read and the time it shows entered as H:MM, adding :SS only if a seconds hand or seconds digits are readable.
4:10:17
